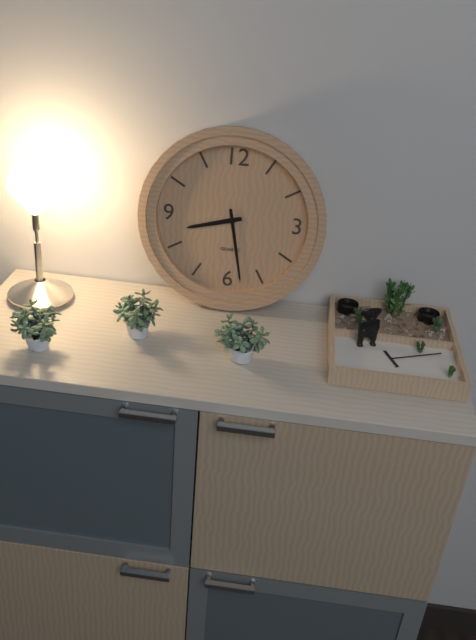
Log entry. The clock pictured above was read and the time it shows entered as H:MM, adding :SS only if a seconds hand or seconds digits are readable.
8:28
